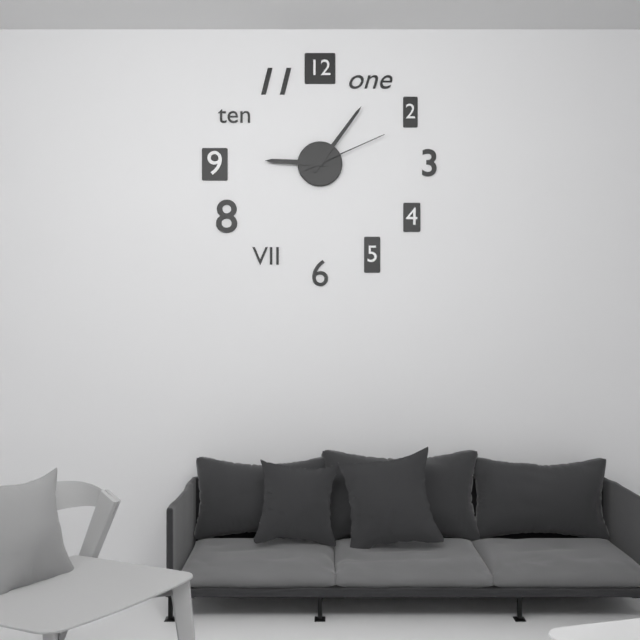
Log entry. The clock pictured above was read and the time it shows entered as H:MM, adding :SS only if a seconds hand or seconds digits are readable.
9:06:11
